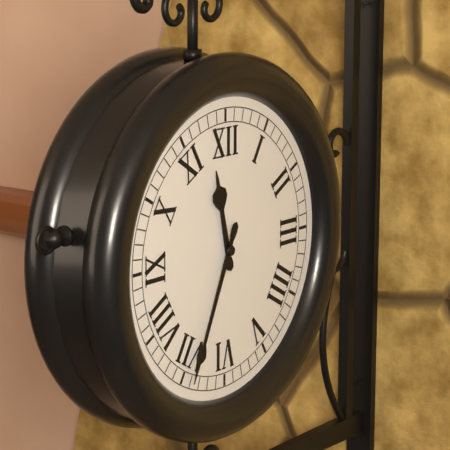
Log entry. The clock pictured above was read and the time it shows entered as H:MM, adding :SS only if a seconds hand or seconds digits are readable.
11:34
